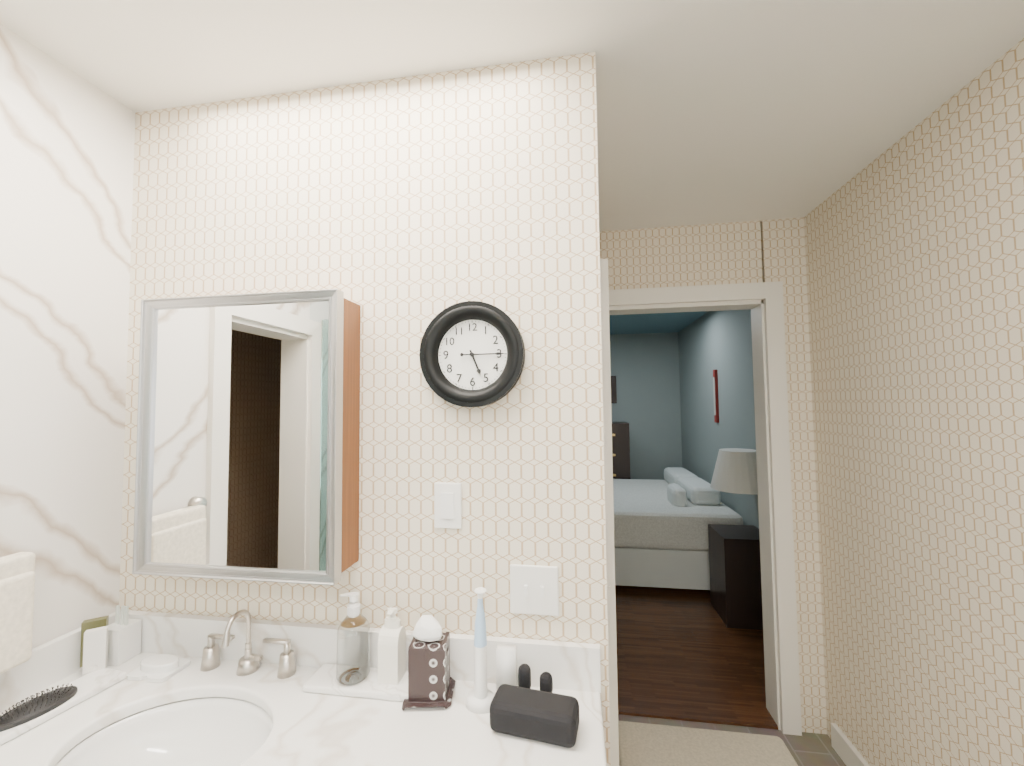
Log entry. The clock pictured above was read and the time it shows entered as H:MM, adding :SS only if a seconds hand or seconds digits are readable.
5:15
